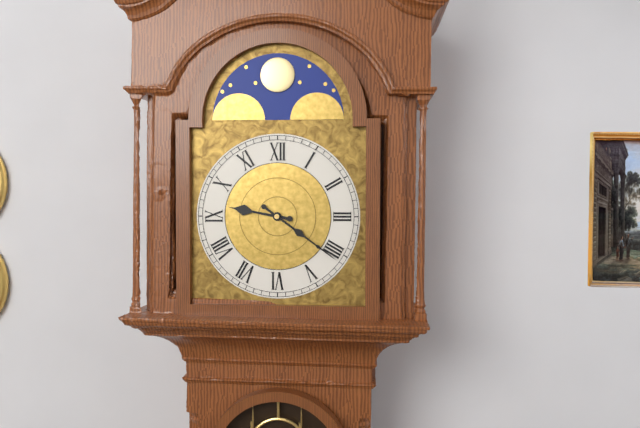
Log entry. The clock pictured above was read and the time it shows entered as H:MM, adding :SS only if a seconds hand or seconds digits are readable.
9:21
